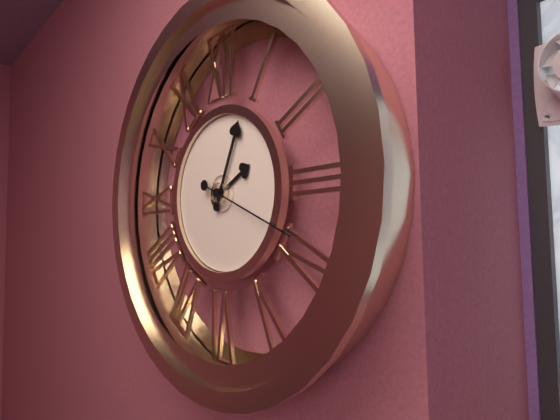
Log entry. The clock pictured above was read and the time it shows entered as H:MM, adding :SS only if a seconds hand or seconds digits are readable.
2:04:19
